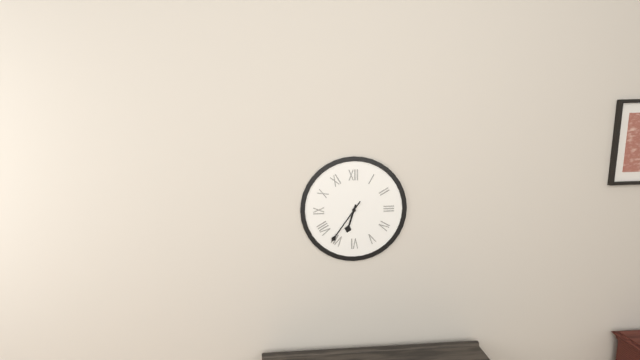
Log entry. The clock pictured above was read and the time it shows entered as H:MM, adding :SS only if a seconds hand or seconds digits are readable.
6:36
